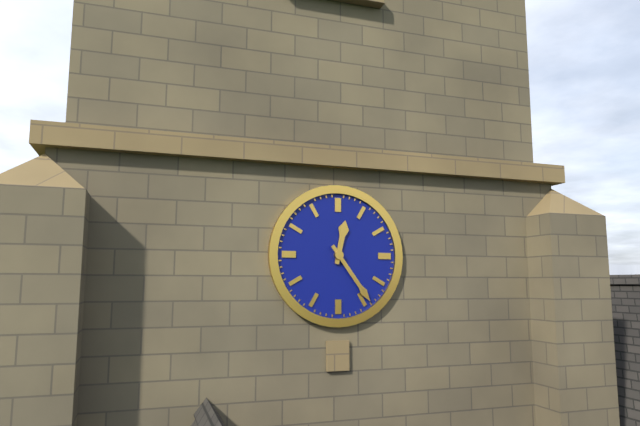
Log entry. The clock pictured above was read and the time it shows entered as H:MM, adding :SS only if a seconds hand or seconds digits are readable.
12:24
